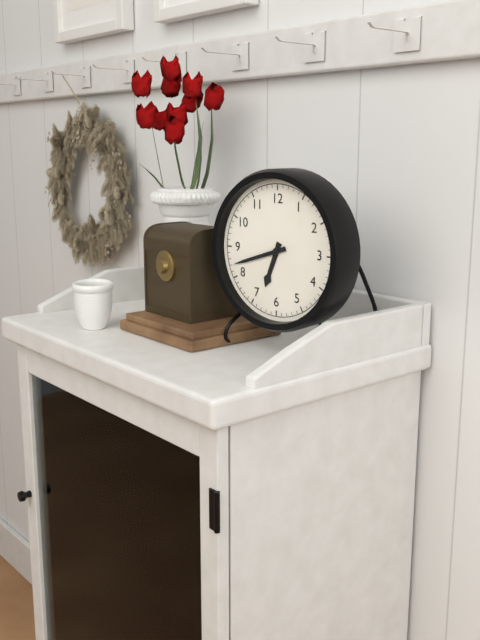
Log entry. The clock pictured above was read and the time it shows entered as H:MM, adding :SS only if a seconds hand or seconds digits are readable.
6:42
